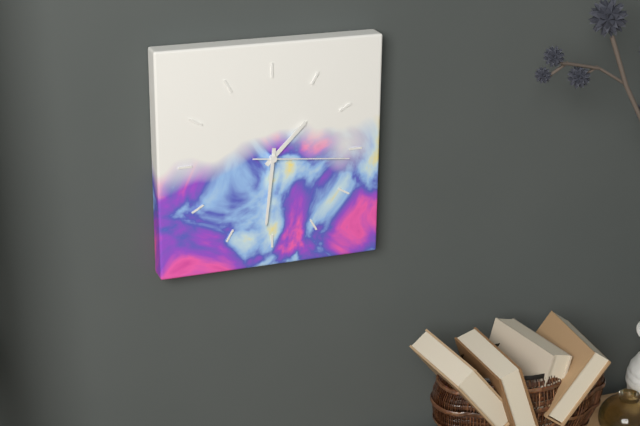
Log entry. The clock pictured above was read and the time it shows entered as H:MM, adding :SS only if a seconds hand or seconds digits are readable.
1:31:16
